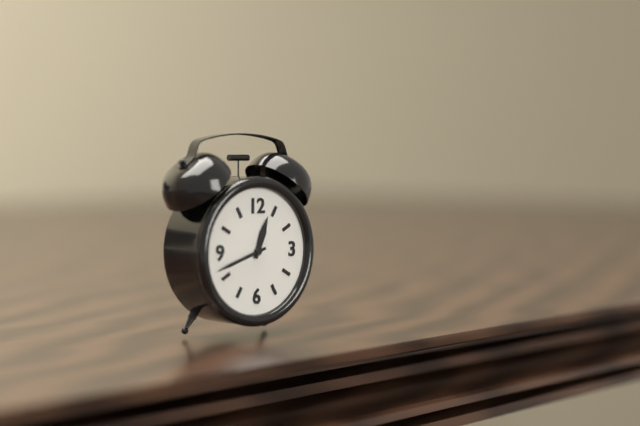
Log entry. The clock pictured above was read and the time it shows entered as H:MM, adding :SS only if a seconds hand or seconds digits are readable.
12:42
